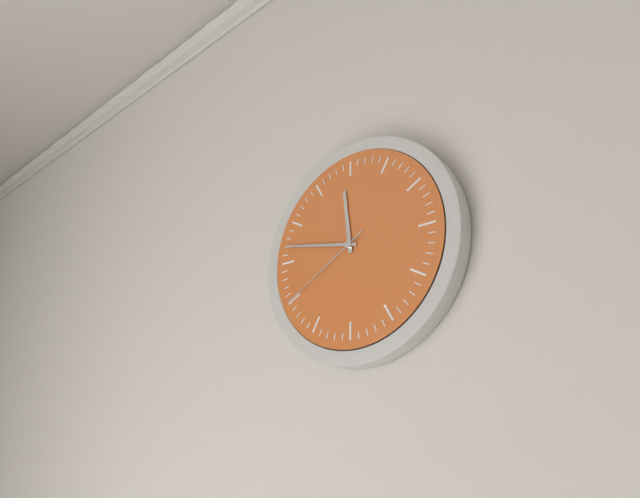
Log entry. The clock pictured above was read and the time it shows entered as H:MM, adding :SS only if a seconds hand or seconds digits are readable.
11:47:40
